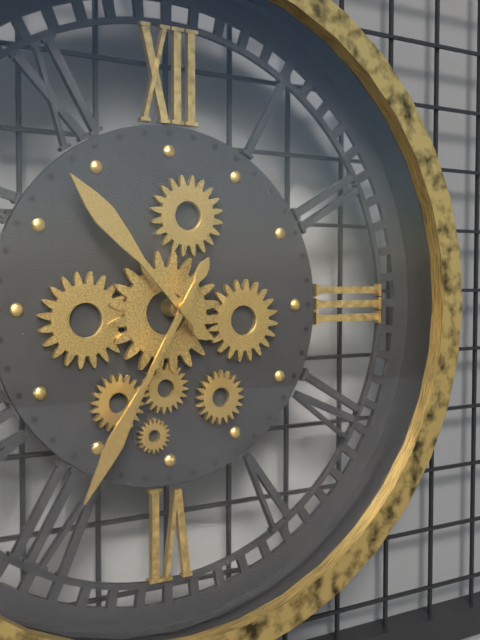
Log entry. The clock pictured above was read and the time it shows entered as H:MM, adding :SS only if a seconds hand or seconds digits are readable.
10:35
